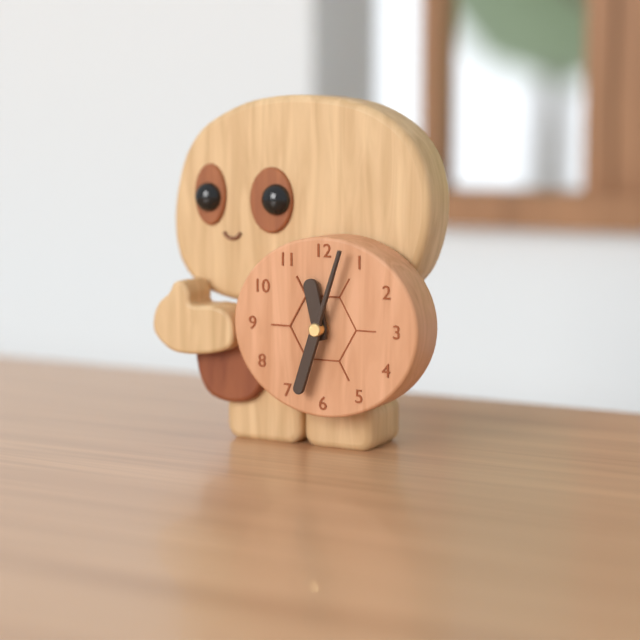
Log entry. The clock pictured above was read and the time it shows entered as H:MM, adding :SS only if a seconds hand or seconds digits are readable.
11:33
